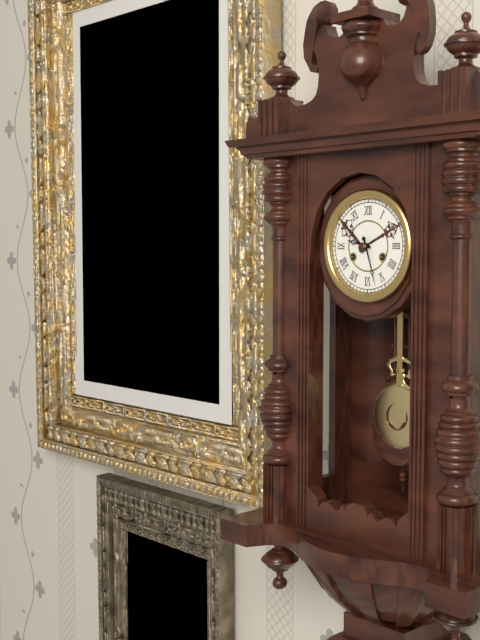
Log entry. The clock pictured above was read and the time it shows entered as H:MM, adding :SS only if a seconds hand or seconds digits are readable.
9:27
